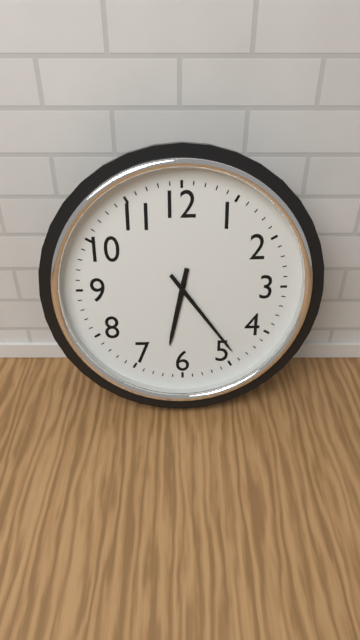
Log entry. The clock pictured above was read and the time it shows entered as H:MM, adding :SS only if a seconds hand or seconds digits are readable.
6:24
